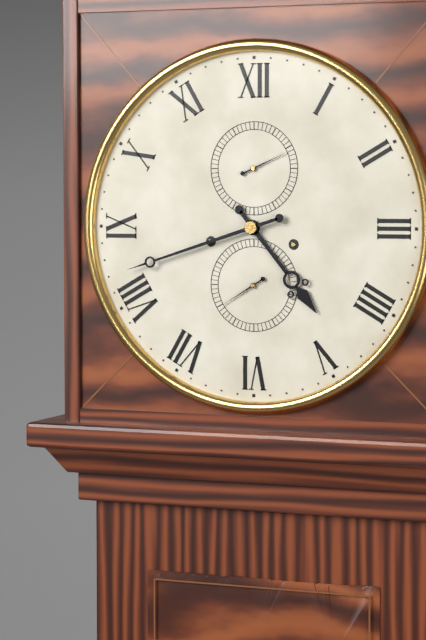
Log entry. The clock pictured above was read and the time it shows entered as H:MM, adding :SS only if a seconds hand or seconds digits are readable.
4:42
